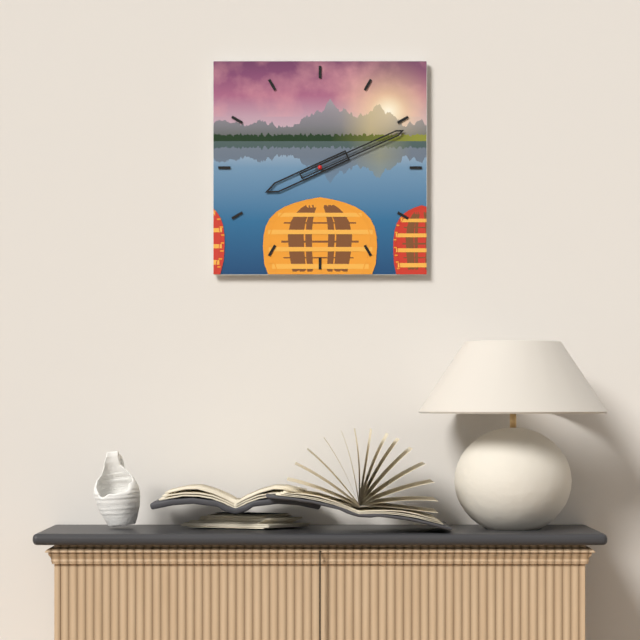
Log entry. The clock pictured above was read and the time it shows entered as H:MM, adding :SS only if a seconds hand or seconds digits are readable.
8:11
